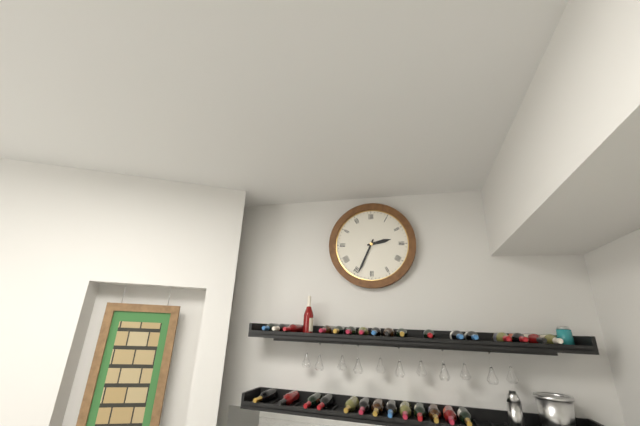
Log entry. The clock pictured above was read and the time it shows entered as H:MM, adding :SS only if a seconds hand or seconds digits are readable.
2:34
